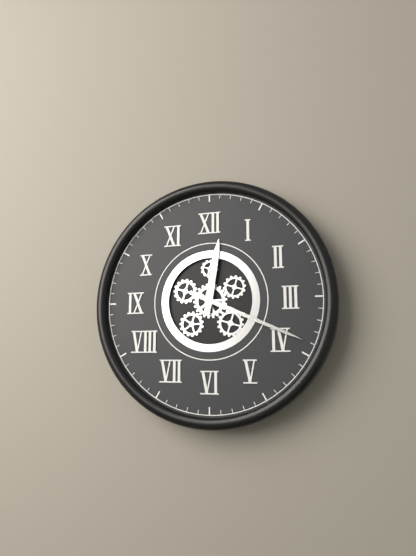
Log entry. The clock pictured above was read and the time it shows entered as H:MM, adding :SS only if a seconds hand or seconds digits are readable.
12:19
